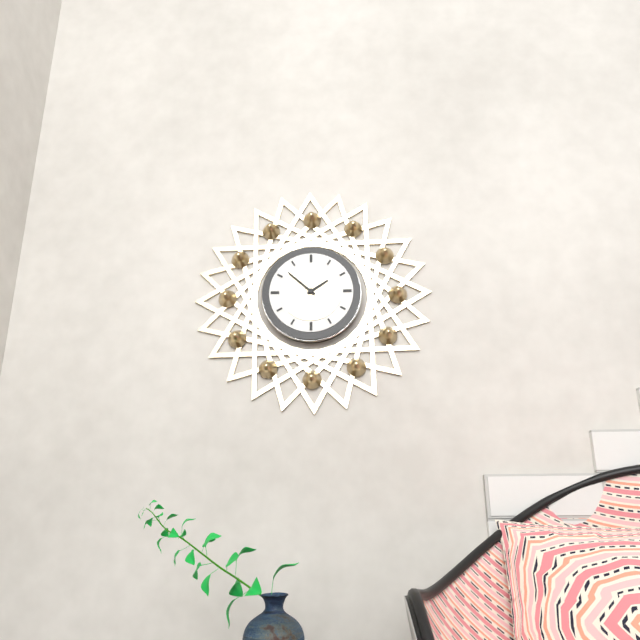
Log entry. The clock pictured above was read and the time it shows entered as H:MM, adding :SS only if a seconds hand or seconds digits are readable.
1:52
